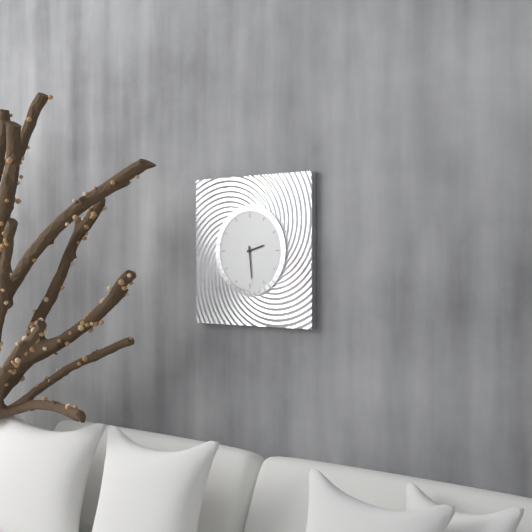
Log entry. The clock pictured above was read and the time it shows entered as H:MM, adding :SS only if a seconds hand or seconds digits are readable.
2:29
